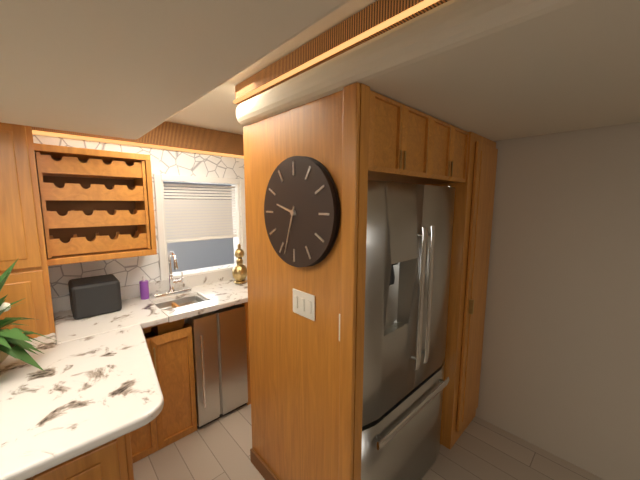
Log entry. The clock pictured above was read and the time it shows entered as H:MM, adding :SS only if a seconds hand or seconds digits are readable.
9:33
